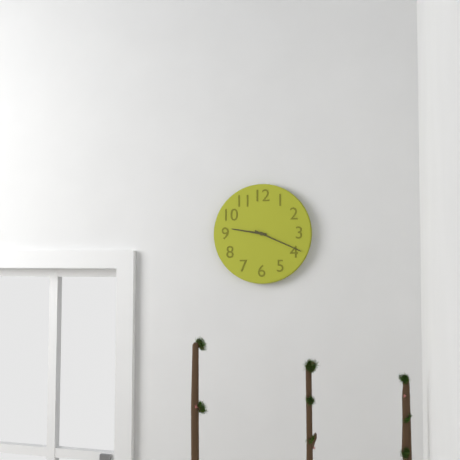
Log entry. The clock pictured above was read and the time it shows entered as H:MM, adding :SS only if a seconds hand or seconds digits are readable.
9:19
